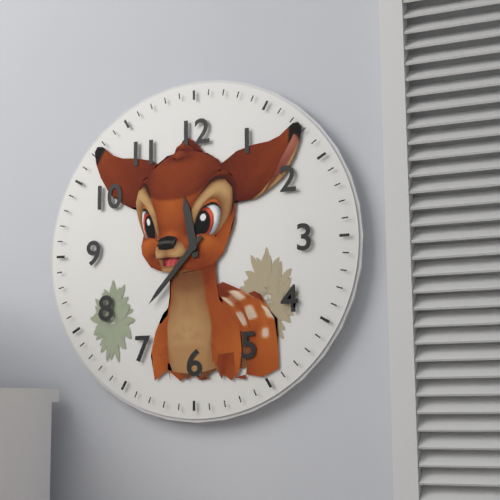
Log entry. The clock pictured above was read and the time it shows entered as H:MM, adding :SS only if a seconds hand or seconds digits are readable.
11:37
